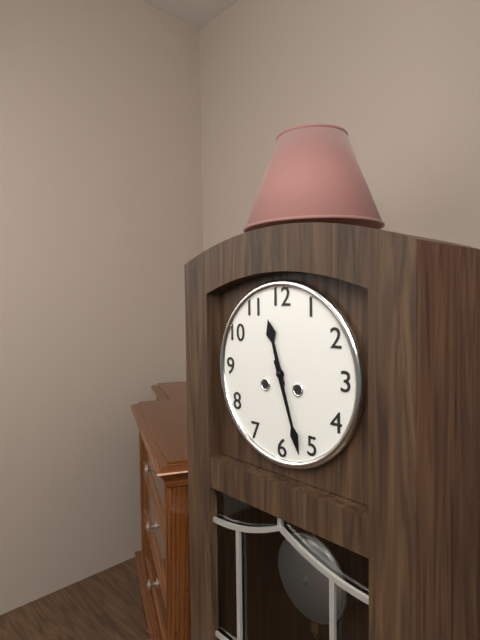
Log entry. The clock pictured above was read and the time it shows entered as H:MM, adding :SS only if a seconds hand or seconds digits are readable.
11:27
